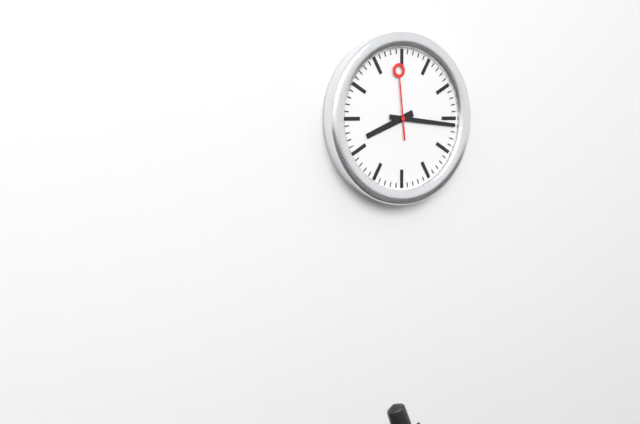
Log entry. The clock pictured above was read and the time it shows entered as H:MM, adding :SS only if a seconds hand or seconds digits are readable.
8:16:59
